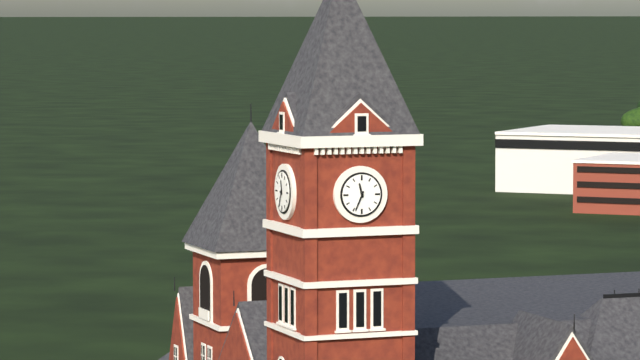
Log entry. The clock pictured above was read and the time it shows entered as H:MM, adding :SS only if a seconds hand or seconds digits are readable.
11:34
